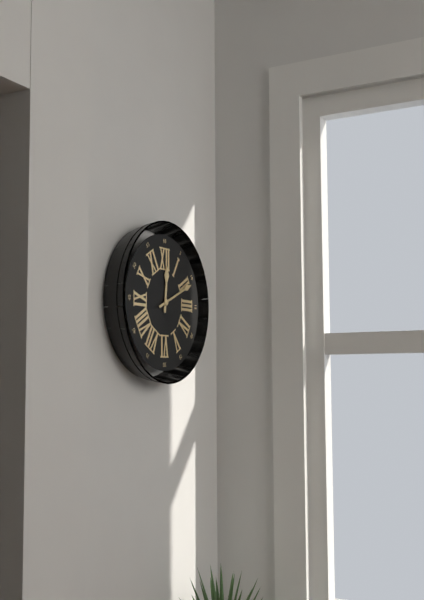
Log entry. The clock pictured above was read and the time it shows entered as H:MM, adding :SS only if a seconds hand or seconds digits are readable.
12:11
